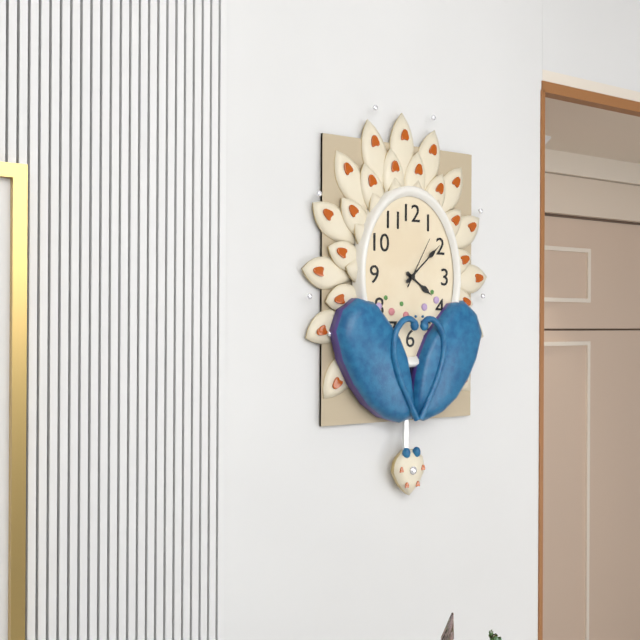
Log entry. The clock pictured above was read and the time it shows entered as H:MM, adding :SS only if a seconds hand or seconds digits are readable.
4:08:05
